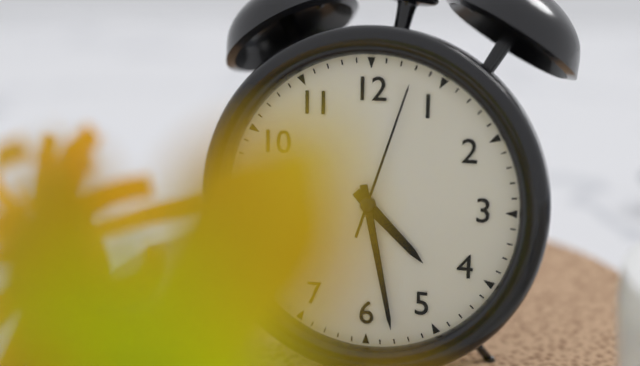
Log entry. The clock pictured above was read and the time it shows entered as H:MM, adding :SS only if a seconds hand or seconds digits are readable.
4:28:03
